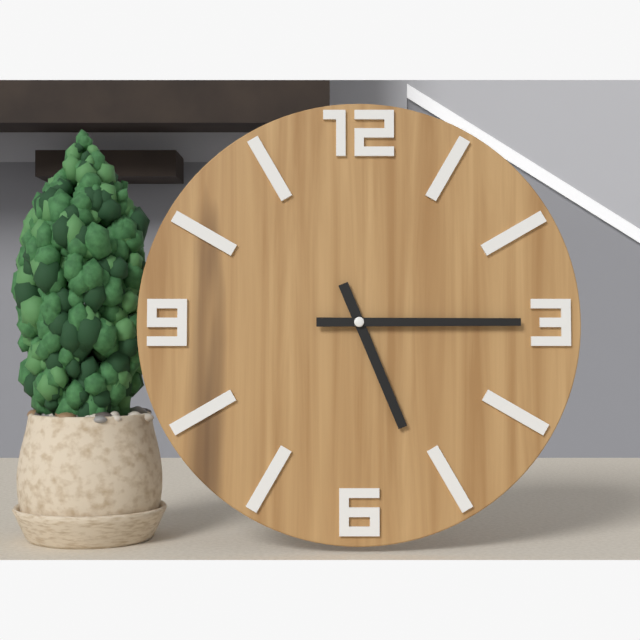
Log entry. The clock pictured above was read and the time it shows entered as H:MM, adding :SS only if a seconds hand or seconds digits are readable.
5:15
